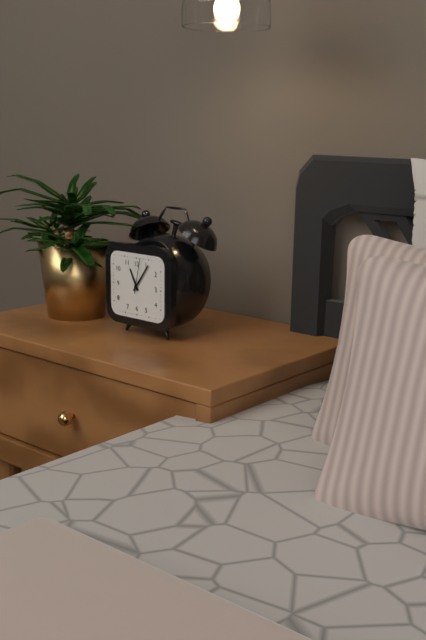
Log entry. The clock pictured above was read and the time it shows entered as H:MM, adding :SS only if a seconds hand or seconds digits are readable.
11:06
